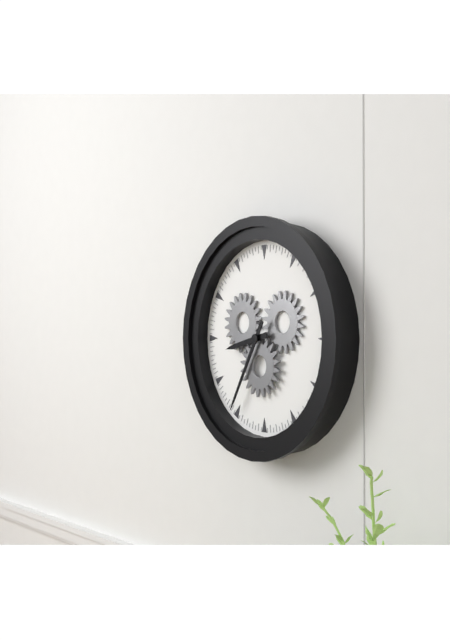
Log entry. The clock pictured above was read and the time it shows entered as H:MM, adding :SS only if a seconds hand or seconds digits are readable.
8:35
